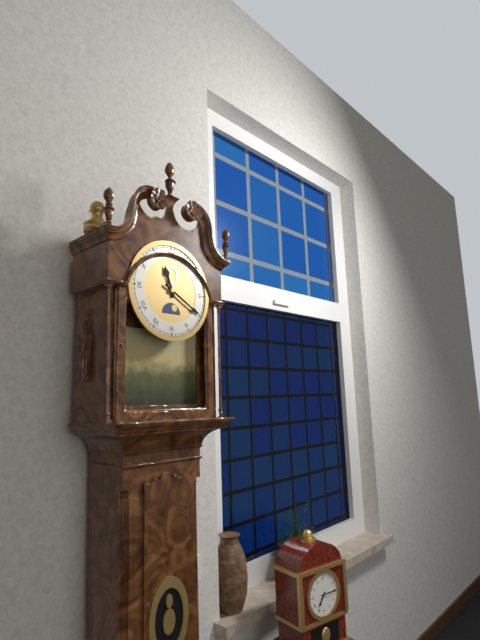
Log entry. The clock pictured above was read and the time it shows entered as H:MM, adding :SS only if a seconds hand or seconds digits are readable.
11:20
